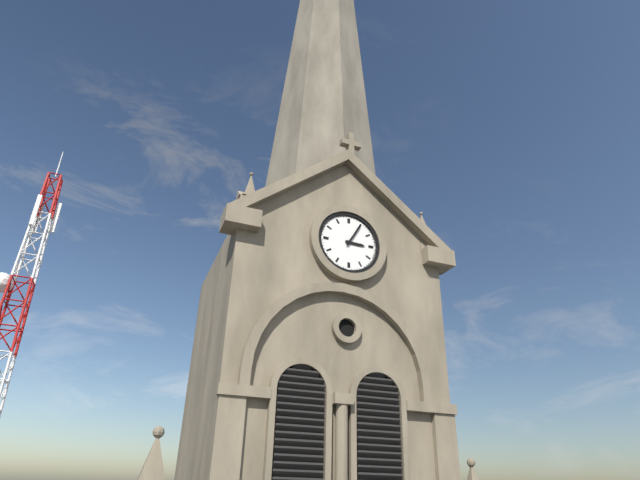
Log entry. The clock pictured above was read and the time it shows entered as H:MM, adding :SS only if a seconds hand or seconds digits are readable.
3:05
